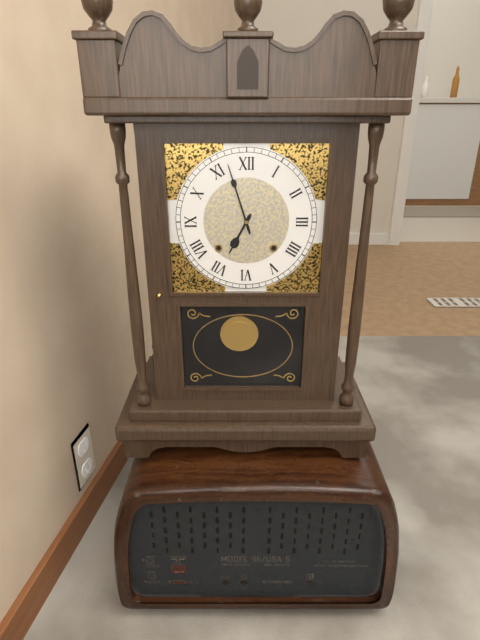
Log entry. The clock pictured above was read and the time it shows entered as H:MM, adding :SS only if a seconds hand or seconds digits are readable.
6:57
